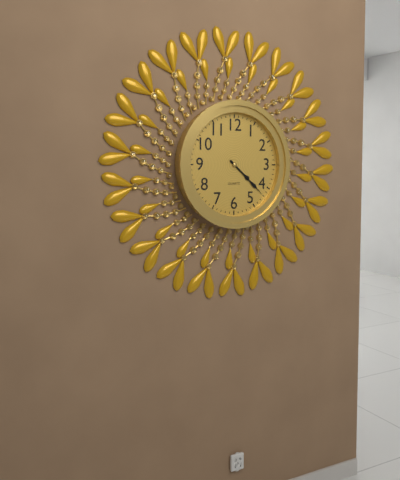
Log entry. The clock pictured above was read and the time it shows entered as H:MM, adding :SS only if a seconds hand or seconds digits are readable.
4:22
